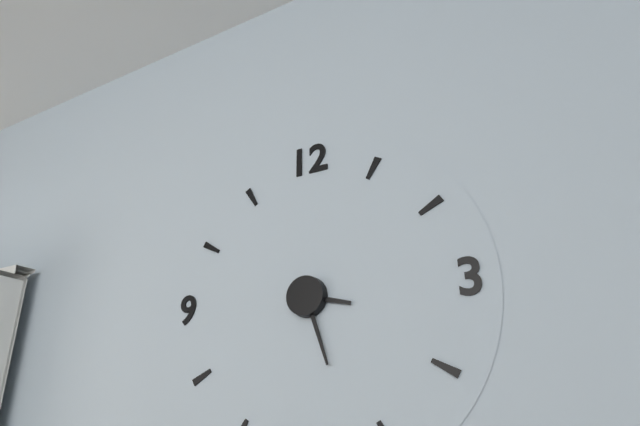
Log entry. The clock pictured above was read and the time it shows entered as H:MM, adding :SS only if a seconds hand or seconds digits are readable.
3:27
